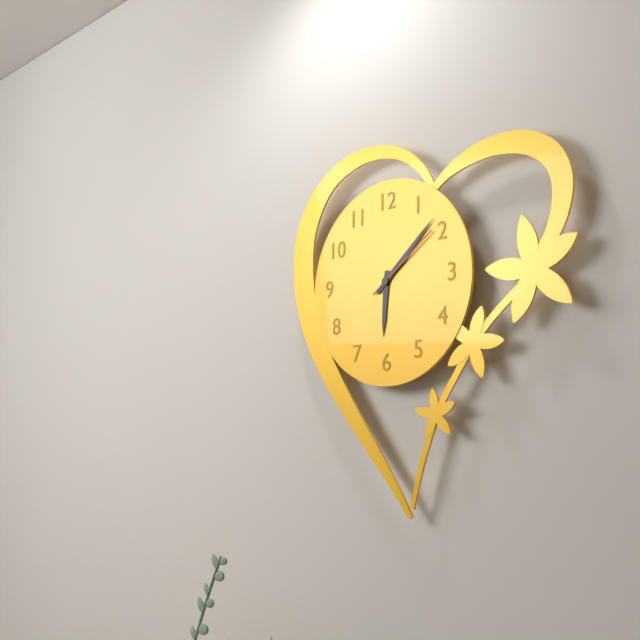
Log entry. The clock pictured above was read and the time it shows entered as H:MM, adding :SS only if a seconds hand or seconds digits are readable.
6:08:09
